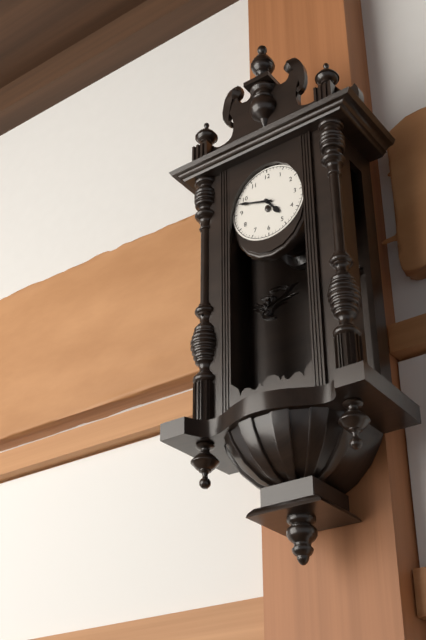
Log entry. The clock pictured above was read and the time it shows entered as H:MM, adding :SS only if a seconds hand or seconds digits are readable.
4:48
